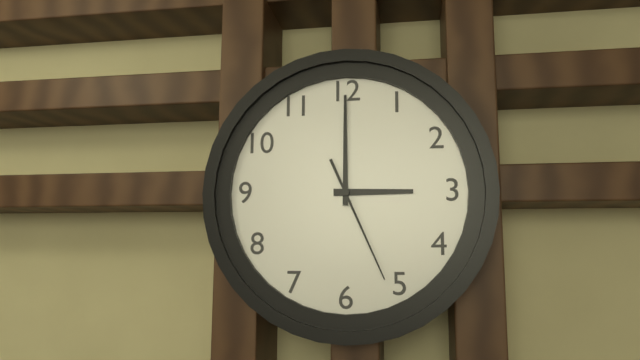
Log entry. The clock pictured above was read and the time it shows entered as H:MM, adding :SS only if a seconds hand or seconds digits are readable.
3:00:26
